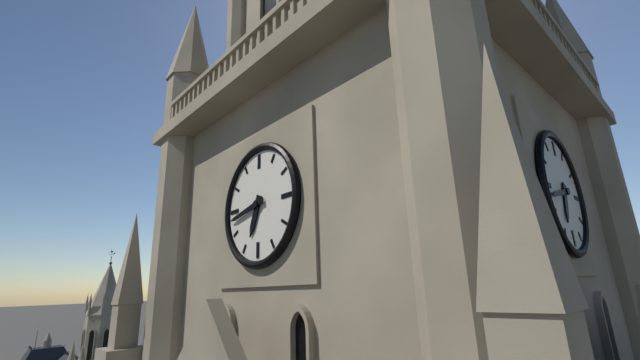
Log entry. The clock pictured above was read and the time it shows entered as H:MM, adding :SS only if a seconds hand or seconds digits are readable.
6:43
